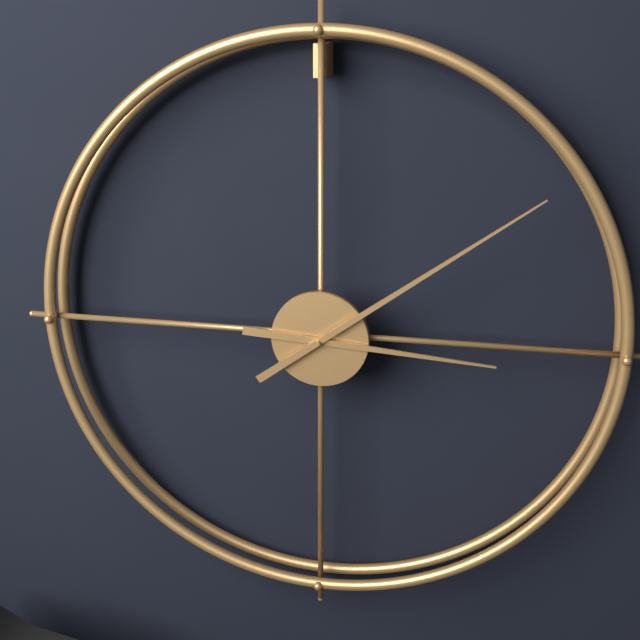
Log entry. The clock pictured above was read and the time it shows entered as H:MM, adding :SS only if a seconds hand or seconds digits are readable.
3:09
